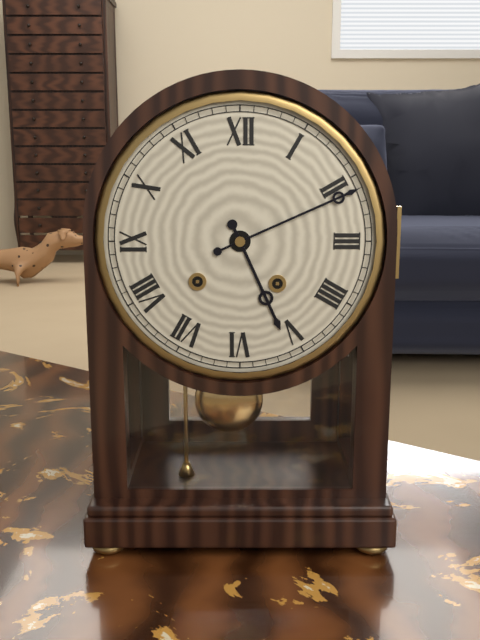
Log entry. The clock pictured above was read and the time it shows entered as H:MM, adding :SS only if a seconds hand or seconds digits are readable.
5:11
